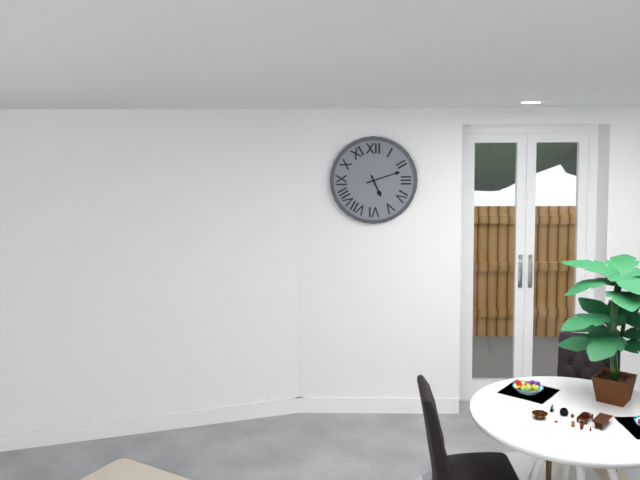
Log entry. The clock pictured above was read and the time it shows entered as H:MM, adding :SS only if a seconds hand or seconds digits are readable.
5:12
